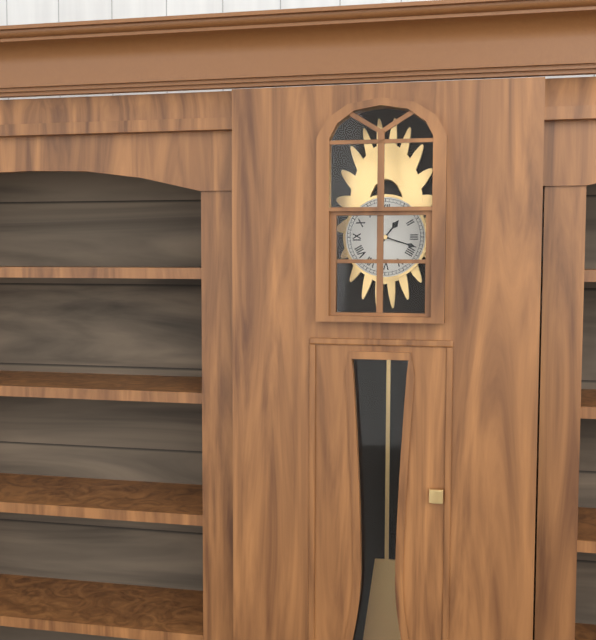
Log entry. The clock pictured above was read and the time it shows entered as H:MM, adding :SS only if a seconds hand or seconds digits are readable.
1:18
